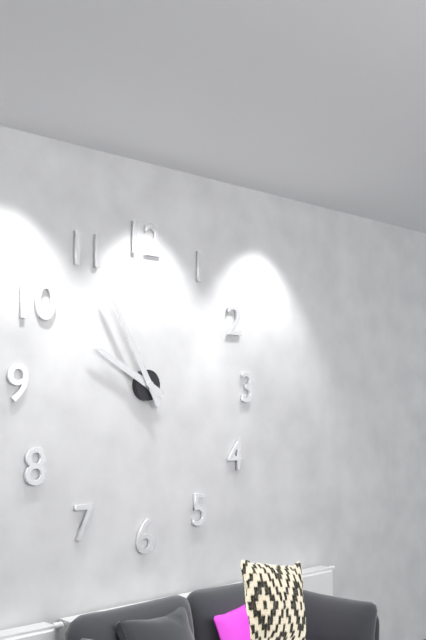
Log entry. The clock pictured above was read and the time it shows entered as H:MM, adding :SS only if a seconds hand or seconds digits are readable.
9:55
